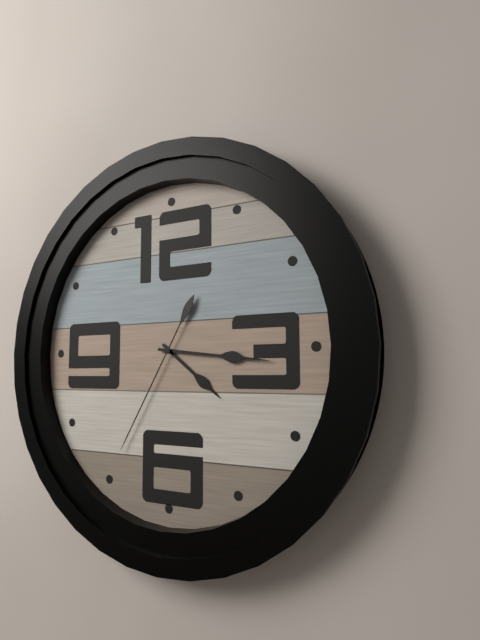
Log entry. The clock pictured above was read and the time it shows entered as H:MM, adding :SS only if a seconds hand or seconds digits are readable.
4:16:35
